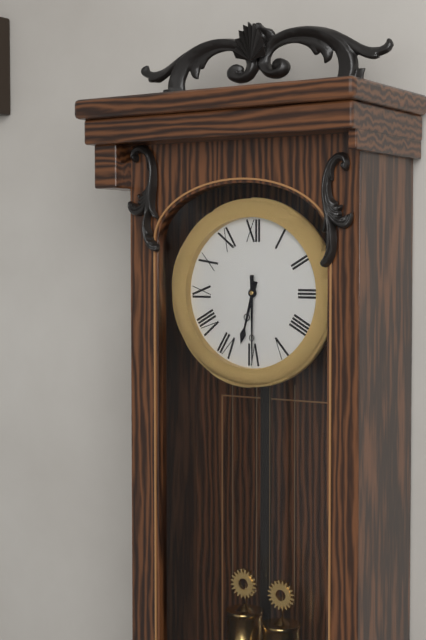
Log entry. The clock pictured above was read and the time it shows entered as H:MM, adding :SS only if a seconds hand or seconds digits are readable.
6:30
